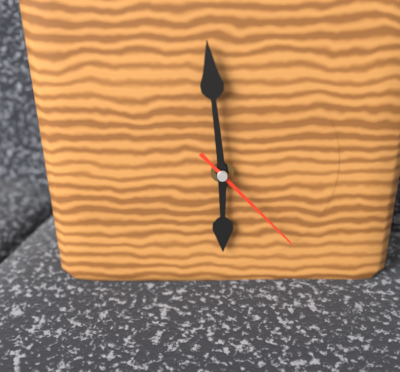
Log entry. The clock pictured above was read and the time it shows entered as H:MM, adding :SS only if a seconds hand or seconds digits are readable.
5:59:23
